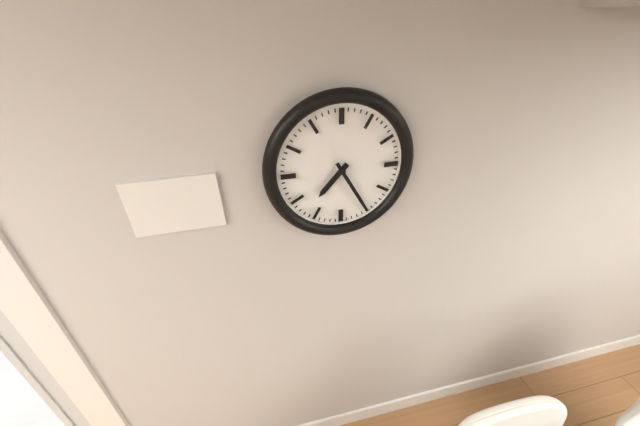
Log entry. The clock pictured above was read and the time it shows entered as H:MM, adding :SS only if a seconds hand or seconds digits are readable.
7:25
